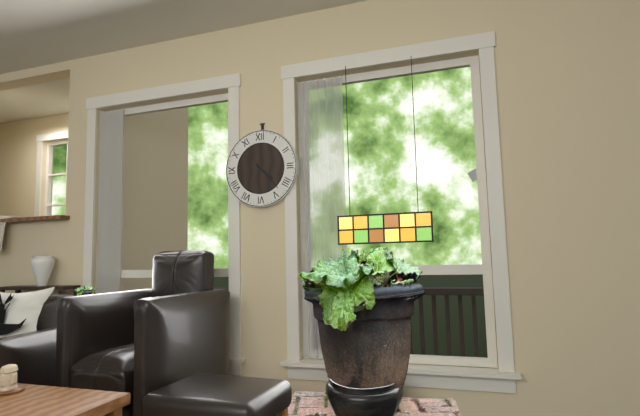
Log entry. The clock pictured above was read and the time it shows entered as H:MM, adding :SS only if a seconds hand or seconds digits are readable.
4:23
